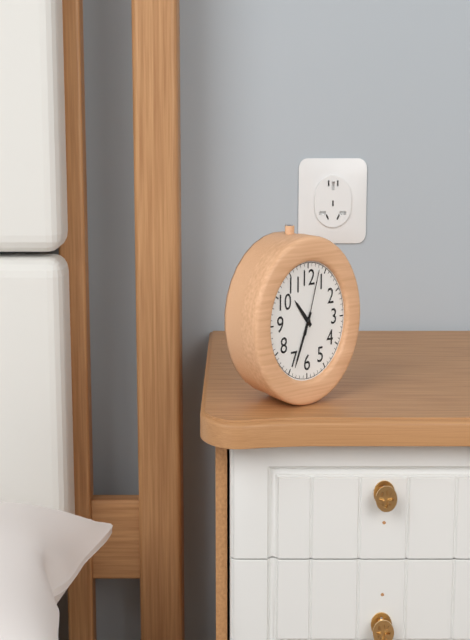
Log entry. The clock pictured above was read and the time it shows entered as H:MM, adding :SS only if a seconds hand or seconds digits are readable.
10:34:03
